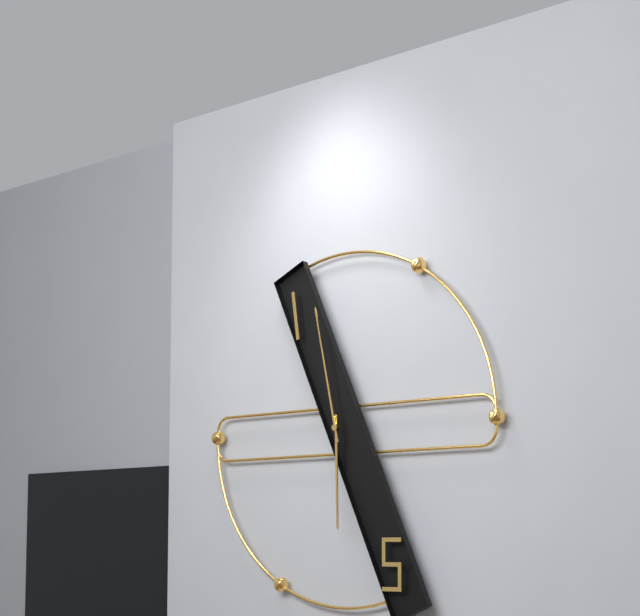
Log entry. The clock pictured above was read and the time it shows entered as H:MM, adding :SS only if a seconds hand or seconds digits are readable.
5:58
